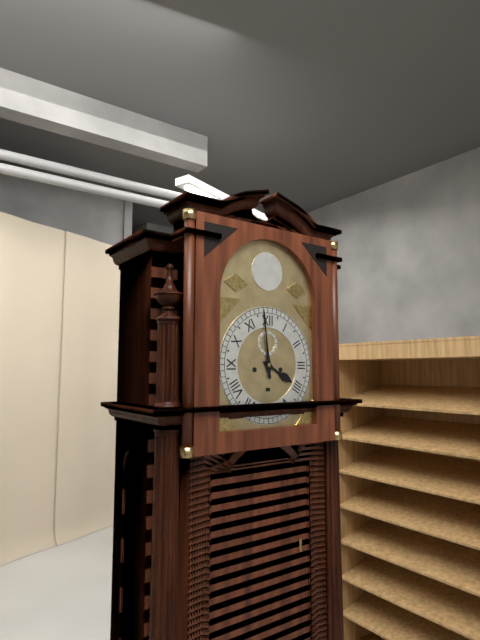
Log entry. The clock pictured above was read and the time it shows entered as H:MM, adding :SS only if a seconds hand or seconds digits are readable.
3:59
